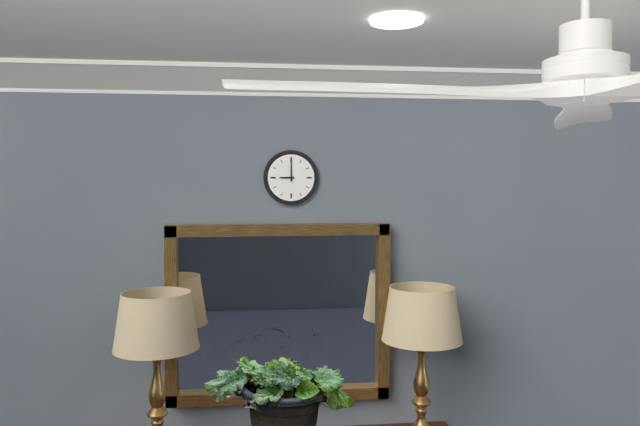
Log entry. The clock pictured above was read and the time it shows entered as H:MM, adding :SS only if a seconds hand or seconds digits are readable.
9:00
